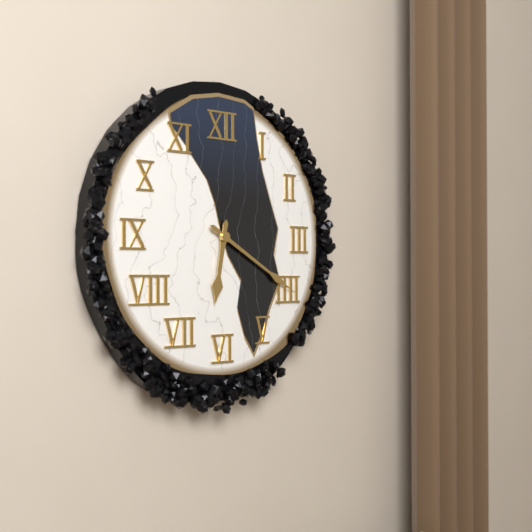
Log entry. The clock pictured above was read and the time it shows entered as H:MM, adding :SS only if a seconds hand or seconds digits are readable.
6:20
